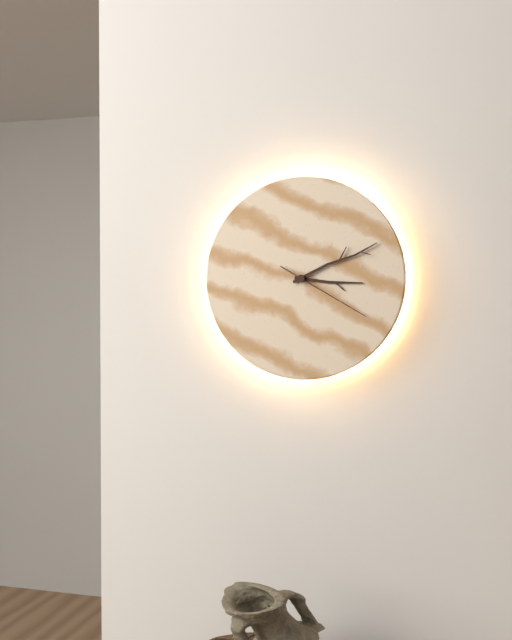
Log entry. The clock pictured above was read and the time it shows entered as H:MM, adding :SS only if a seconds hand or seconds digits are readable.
3:11:20
